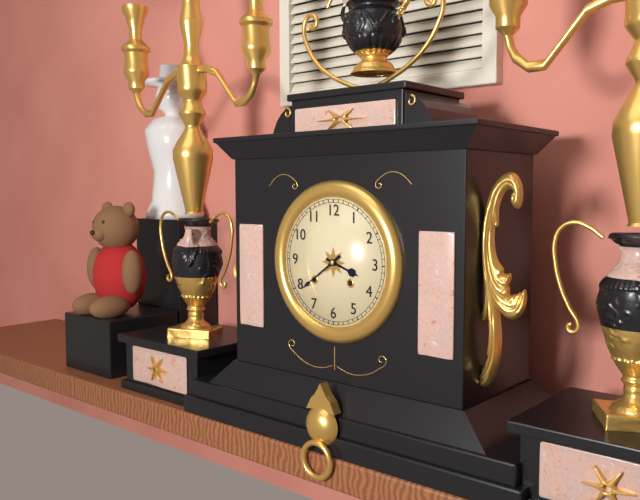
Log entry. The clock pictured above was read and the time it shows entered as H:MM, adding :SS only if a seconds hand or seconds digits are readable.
3:39
